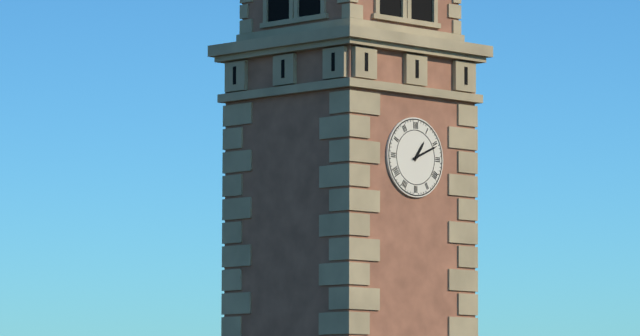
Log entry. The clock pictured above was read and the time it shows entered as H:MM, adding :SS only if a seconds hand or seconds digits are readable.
1:11
